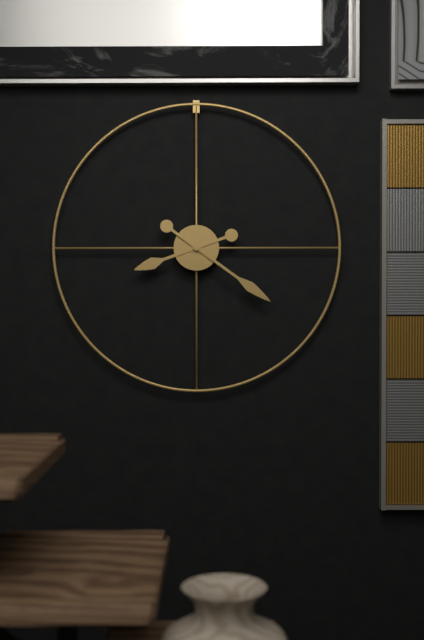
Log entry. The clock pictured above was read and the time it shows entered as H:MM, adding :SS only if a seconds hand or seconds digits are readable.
8:21
